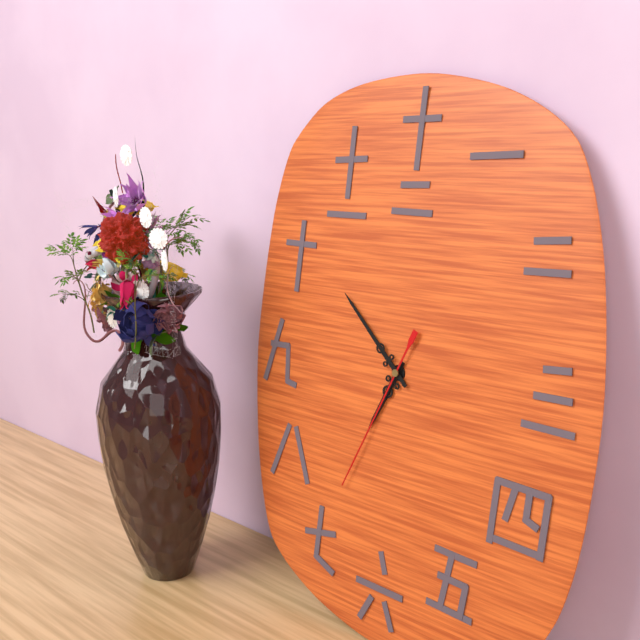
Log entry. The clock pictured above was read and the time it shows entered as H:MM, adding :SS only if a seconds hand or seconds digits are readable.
6:52:34
